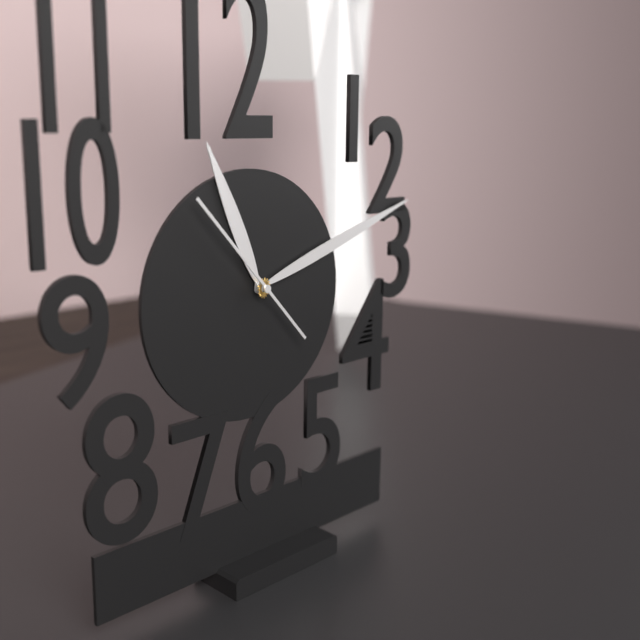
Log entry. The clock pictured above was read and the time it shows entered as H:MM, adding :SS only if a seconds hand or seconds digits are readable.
11:12:53
